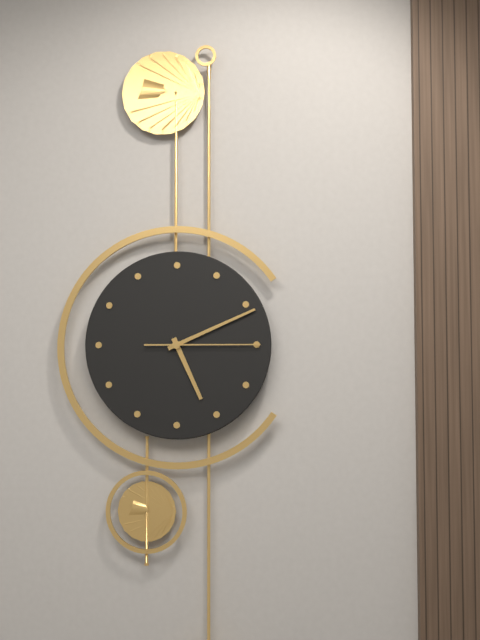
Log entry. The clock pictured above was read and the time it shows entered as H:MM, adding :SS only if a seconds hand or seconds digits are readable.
5:11:15
